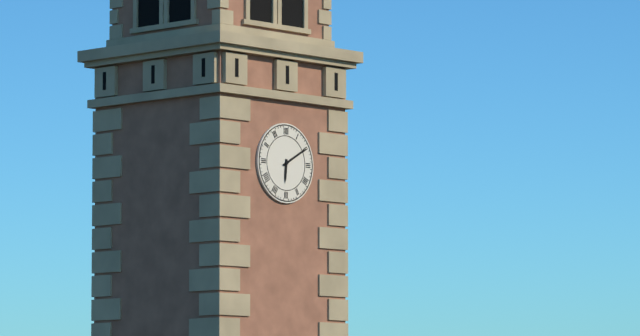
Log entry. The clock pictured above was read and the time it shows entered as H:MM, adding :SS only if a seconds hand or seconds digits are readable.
6:10
